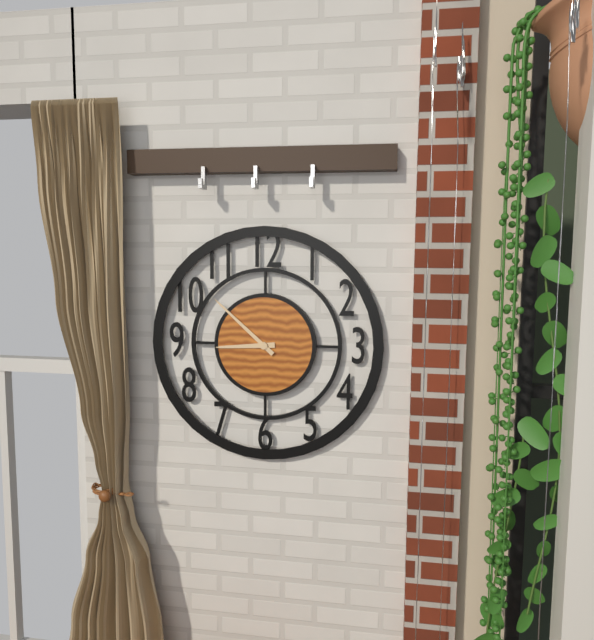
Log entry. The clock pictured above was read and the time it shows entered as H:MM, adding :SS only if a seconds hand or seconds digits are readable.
8:52
